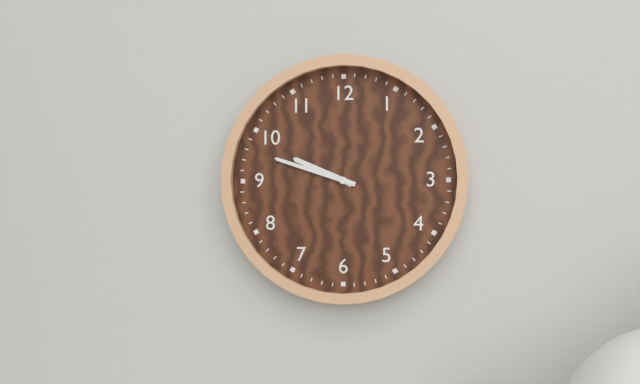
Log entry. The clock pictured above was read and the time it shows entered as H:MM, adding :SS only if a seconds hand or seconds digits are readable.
9:48
